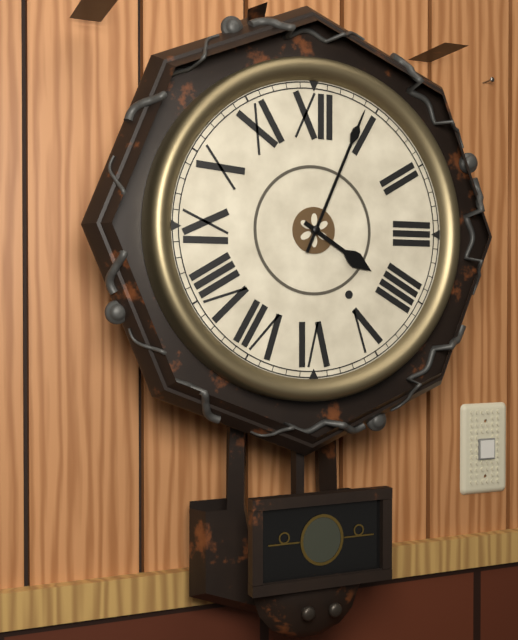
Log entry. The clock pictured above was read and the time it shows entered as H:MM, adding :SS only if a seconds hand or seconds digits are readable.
4:04
